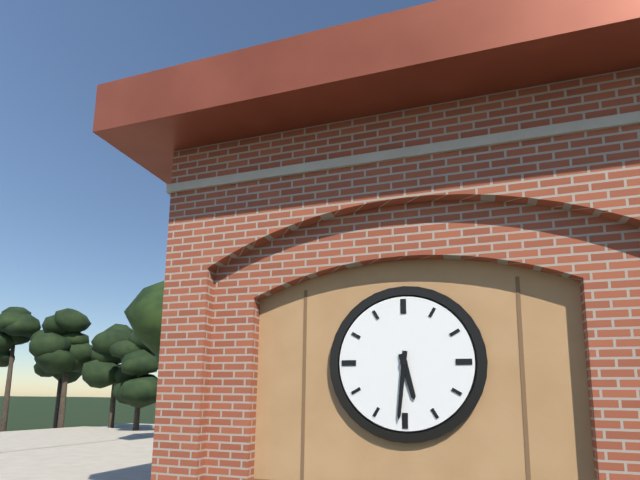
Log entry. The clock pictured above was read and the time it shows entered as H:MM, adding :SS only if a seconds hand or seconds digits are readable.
5:31
